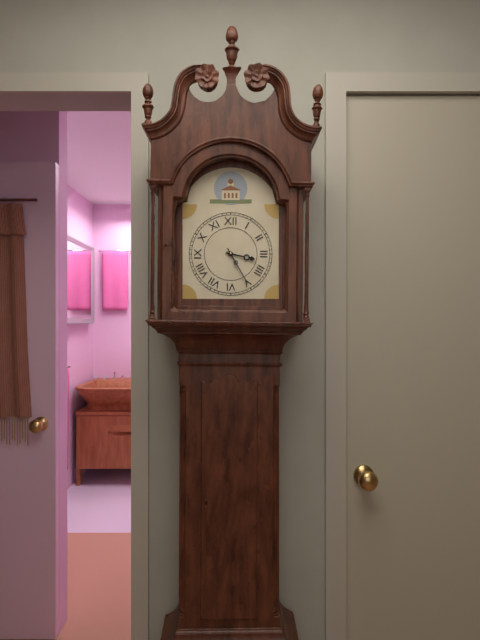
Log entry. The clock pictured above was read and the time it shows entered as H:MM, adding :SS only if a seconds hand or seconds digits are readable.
3:25
